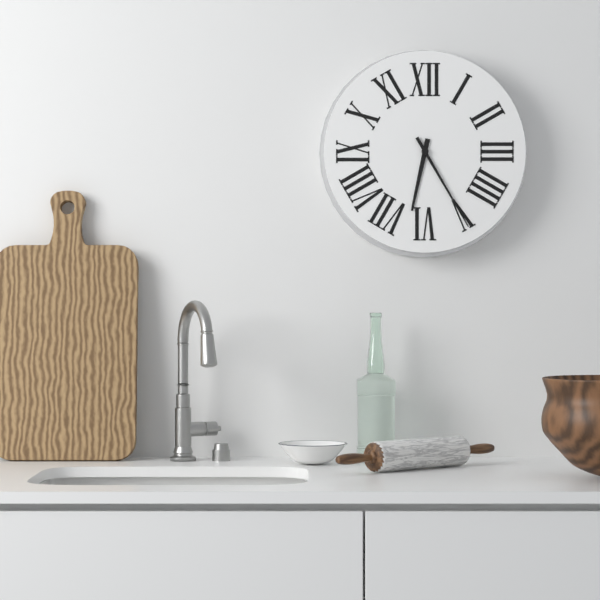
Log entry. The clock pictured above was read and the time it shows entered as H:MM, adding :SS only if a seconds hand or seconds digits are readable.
6:25
